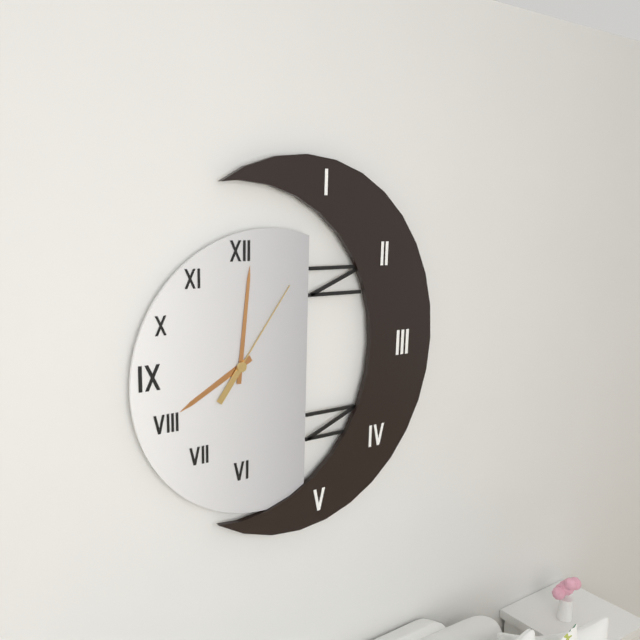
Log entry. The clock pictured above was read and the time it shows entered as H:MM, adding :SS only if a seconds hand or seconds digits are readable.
8:01:06
